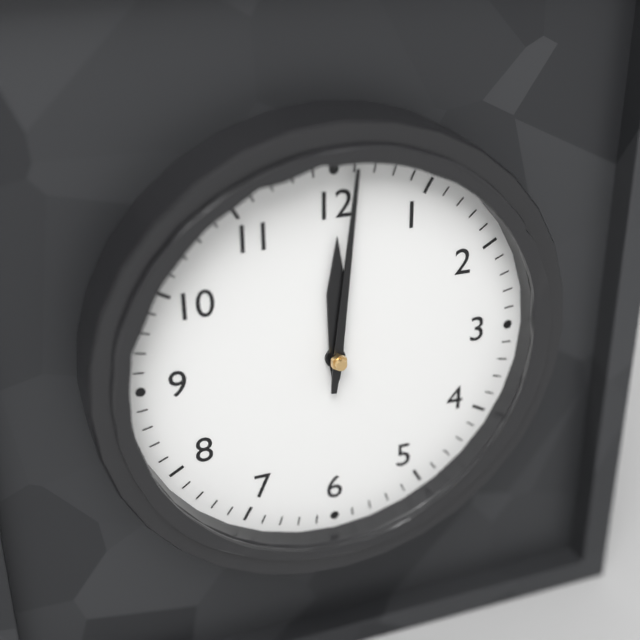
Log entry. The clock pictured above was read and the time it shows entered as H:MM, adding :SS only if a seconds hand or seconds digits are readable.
12:01
